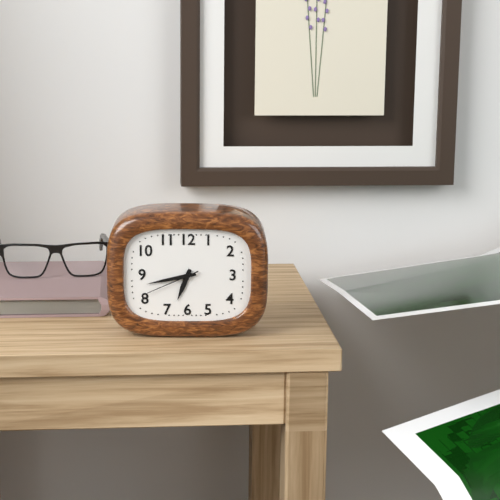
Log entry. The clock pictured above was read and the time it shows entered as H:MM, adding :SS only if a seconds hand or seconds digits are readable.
6:43:41
